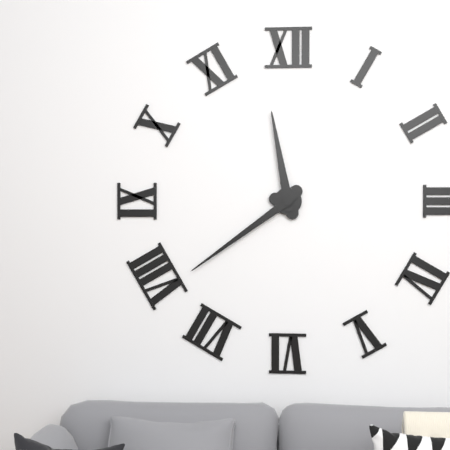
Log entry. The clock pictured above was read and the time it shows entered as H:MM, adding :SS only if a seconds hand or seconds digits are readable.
11:39
